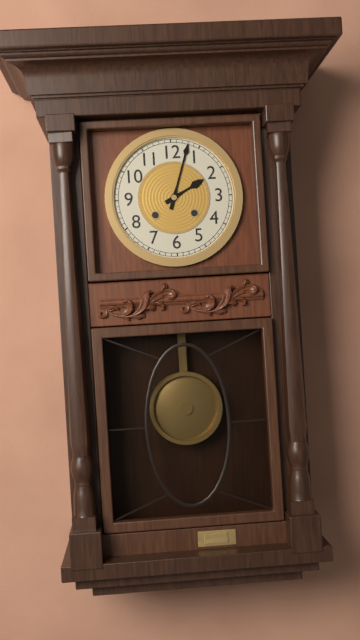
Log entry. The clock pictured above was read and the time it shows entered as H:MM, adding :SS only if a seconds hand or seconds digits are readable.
2:03
